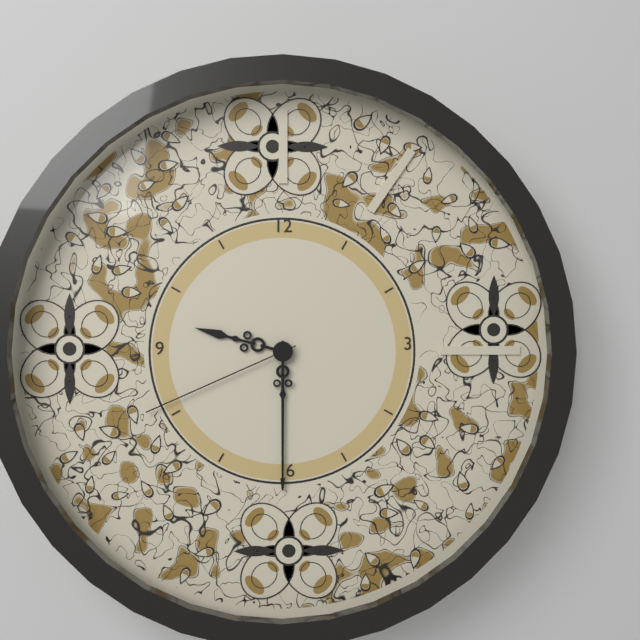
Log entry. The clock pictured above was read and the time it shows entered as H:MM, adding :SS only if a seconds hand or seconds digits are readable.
9:30:41
